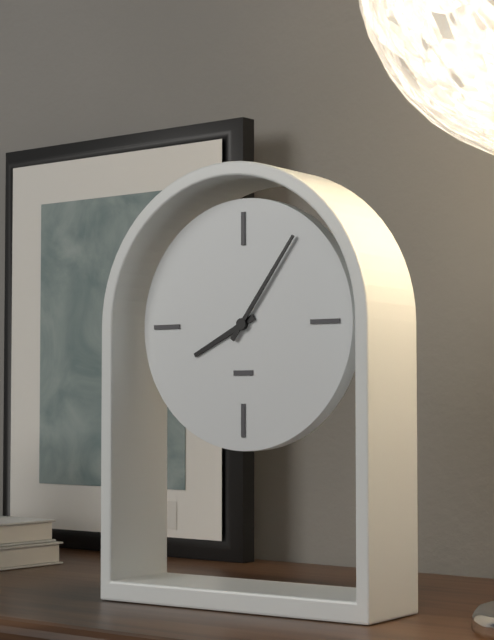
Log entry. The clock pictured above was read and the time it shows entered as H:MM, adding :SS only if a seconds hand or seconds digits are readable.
8:06
